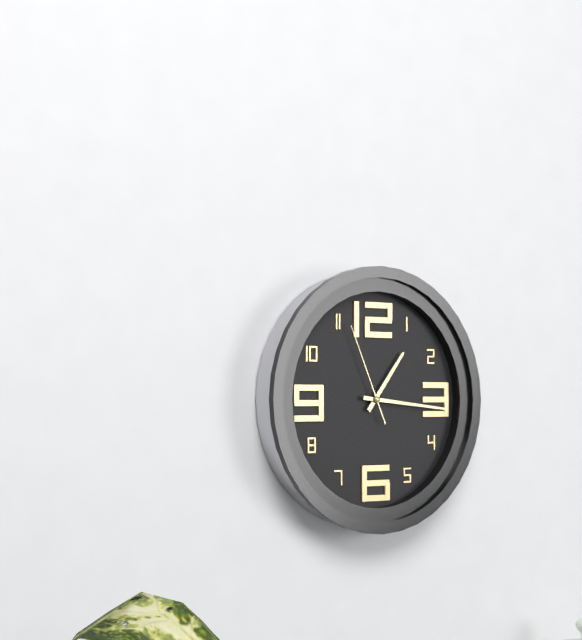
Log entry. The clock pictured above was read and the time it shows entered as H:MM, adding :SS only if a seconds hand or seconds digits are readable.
1:16:56
